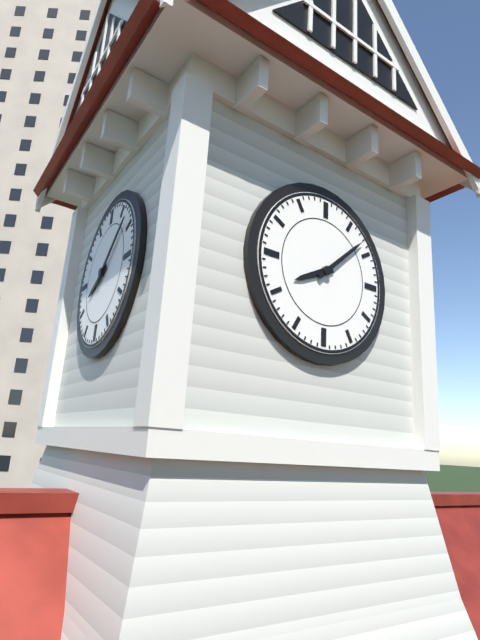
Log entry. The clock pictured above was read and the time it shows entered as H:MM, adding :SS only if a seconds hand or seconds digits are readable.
8:08
